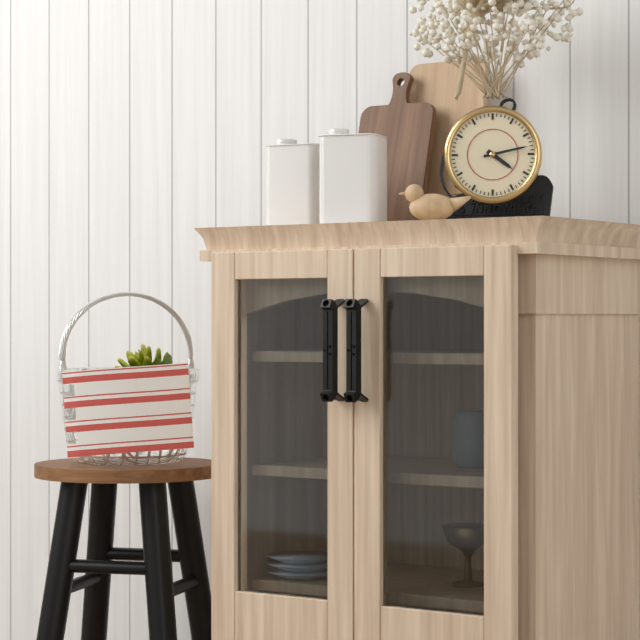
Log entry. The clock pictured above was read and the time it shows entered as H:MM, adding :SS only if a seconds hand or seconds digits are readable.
4:13
